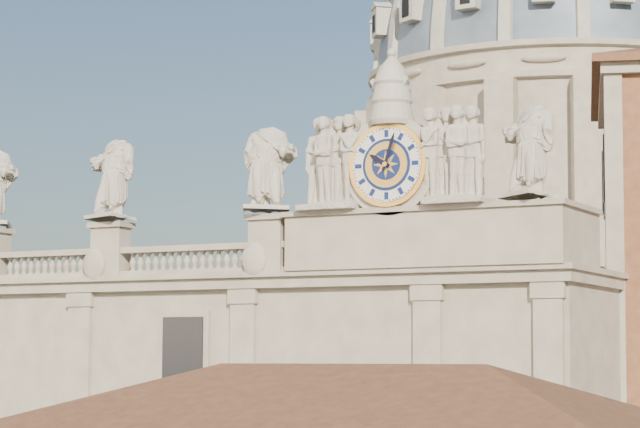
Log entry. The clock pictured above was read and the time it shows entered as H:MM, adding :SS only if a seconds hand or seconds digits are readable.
10:03
